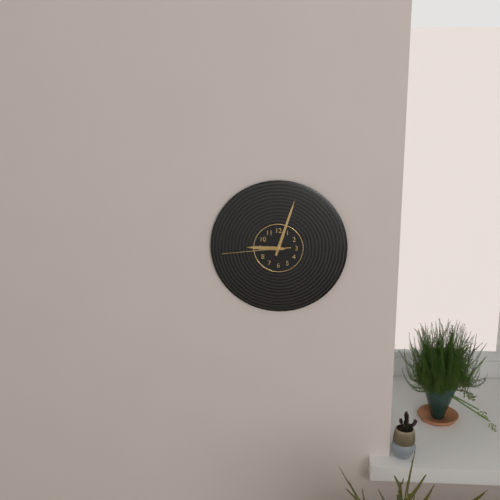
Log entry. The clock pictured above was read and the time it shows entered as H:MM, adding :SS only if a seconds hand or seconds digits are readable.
9:03:44
